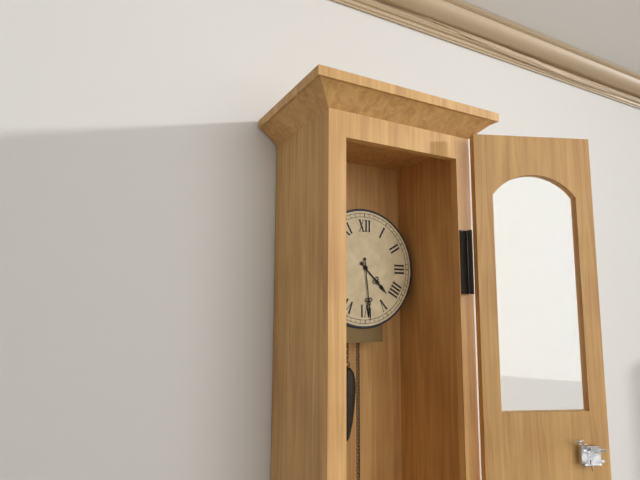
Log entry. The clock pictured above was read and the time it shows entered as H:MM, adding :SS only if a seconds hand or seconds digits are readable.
4:29
